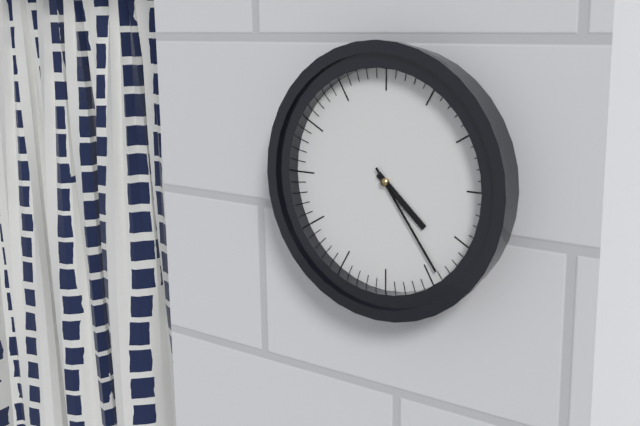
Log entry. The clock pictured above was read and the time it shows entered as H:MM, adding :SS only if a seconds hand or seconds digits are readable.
4:24
